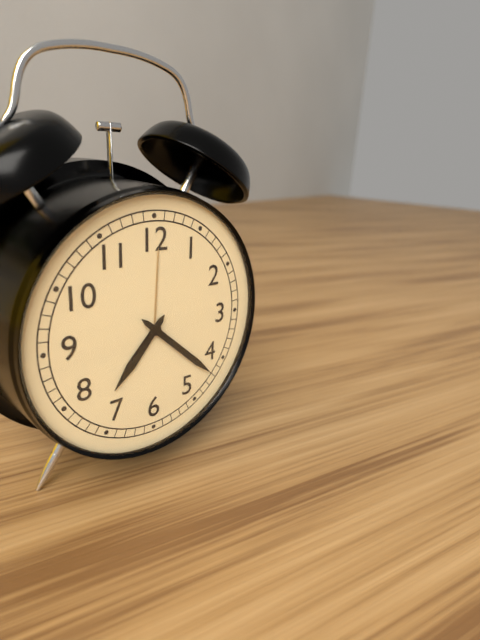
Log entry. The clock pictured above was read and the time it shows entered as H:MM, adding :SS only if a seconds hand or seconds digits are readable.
7:22
